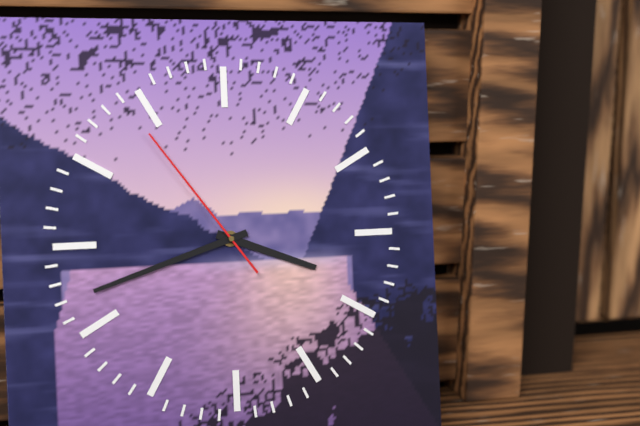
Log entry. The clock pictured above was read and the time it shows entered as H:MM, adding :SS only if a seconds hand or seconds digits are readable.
3:42:54
